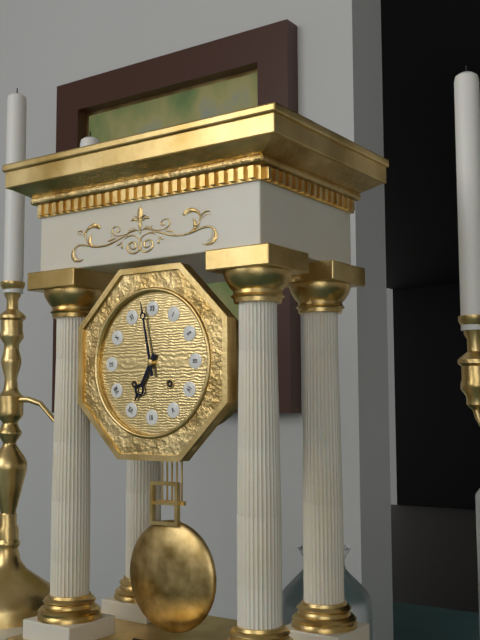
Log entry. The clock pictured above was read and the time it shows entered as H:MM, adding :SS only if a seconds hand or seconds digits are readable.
6:58
